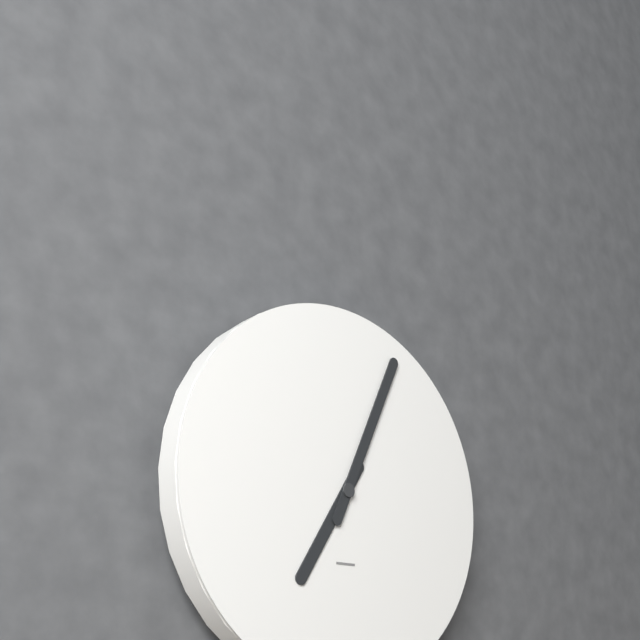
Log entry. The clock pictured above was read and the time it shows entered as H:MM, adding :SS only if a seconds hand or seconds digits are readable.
7:04
